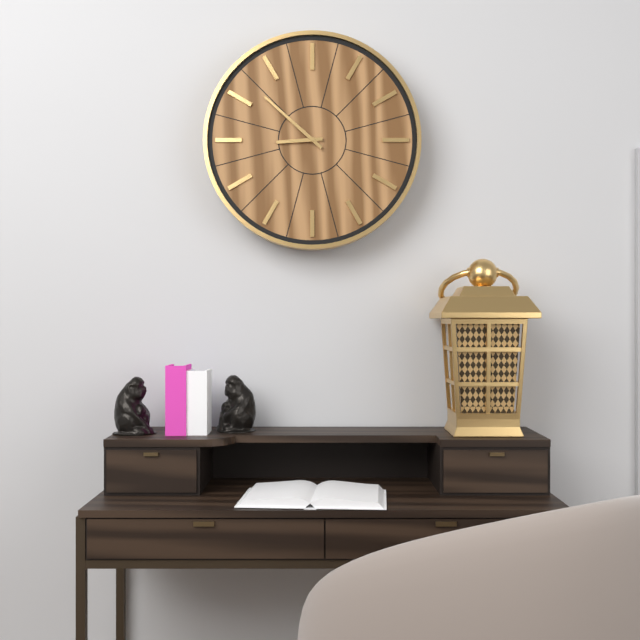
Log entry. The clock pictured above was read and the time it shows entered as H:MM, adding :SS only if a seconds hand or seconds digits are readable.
8:52
